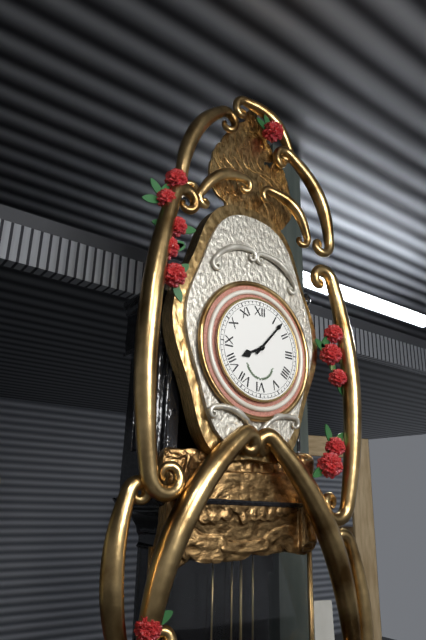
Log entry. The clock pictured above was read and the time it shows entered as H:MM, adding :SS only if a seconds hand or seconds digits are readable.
8:07
